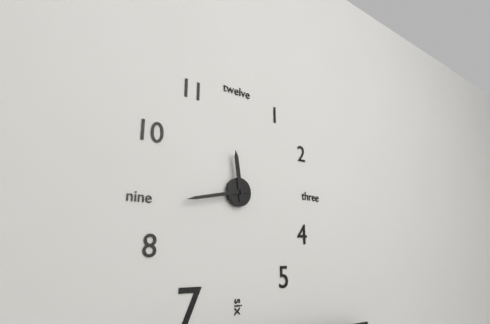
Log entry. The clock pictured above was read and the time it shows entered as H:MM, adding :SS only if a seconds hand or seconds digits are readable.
11:43
